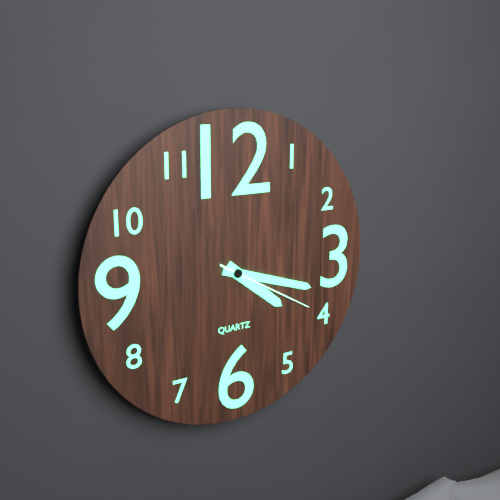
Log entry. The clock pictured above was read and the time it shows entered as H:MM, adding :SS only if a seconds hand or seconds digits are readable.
4:18:20
